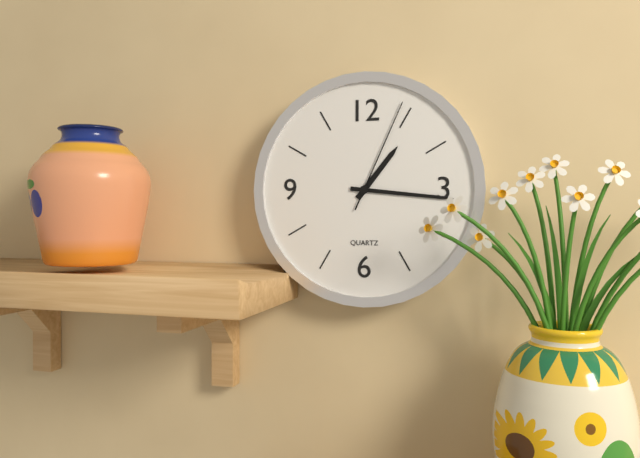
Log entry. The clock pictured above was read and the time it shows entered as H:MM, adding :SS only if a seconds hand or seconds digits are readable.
1:16:04
